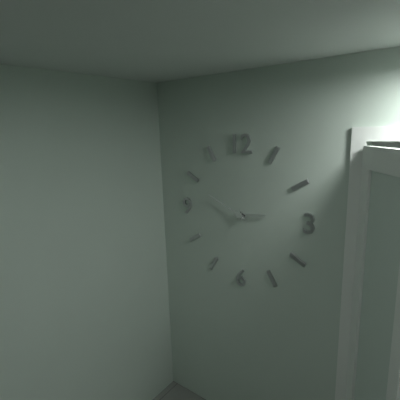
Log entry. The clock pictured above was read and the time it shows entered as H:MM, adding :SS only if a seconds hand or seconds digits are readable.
2:49
